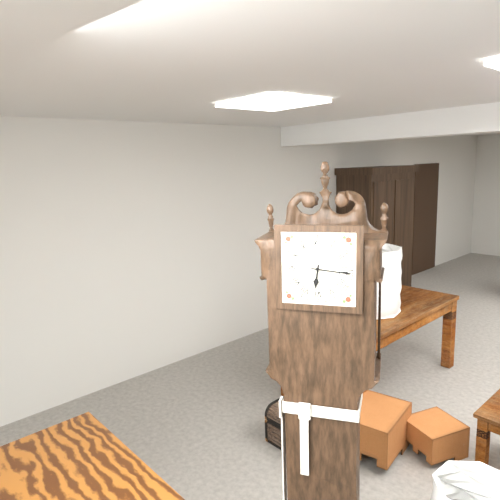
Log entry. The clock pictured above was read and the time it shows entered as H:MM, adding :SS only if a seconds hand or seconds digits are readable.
6:16
